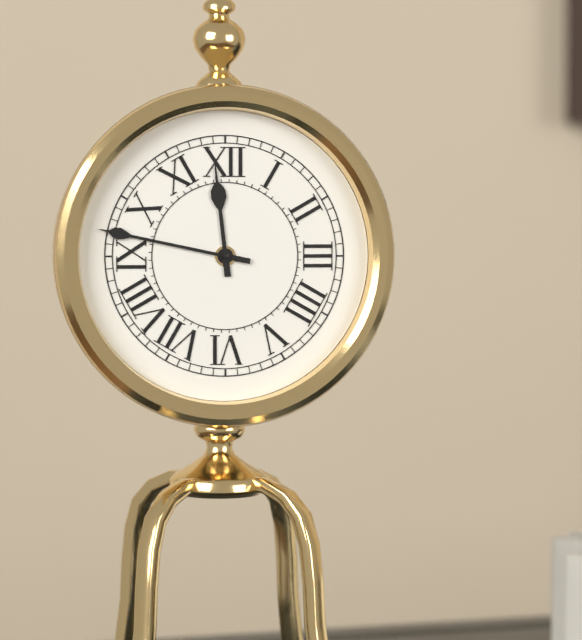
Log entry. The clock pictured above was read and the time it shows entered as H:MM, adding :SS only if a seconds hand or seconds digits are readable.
11:47
